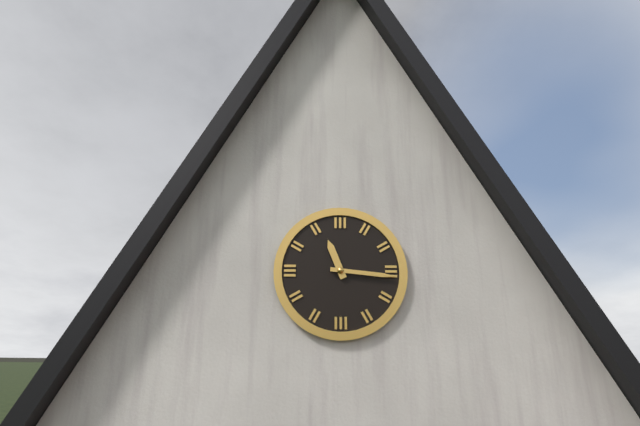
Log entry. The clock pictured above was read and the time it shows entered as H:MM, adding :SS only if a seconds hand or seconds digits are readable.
11:16
